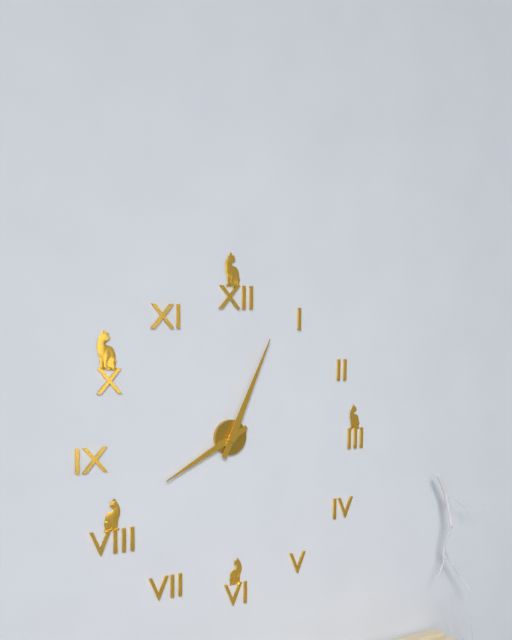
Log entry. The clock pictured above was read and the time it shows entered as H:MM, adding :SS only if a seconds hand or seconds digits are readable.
8:04
